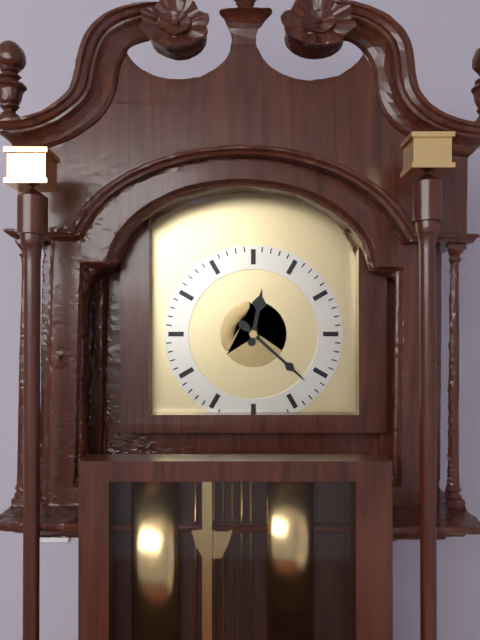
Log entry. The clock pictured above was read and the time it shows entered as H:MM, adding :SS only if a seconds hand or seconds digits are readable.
12:22
